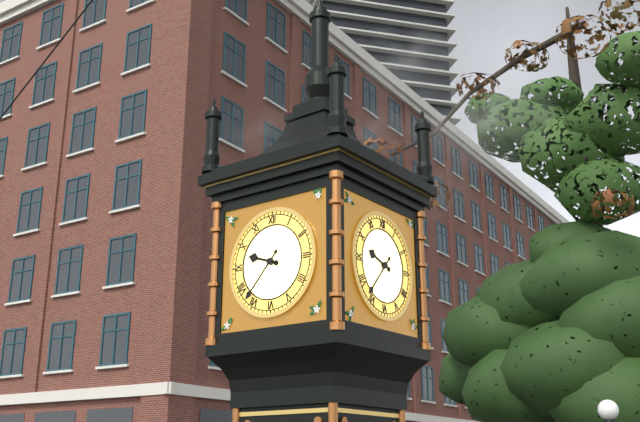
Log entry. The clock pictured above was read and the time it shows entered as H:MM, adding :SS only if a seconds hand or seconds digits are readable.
9:37
